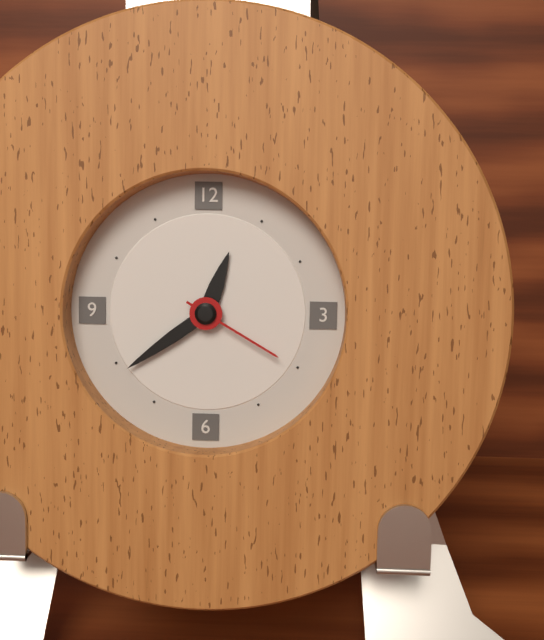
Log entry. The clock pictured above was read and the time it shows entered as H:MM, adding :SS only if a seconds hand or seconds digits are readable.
12:39:20
